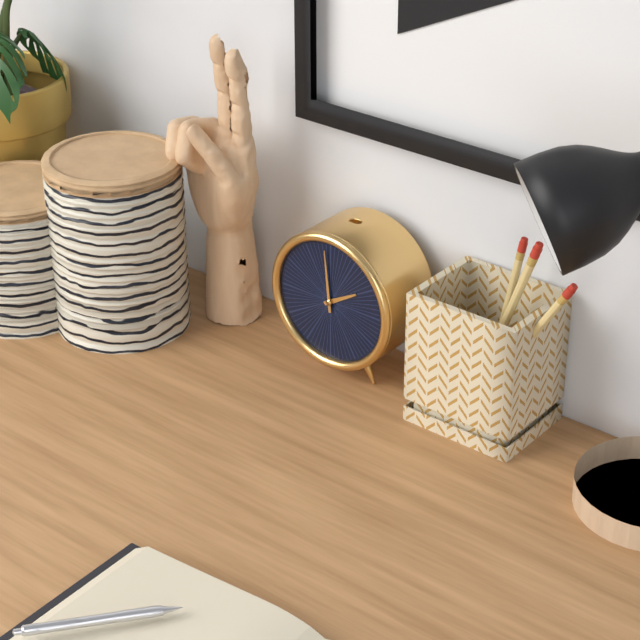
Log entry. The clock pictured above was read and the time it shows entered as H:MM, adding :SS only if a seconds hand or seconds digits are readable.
1:59
